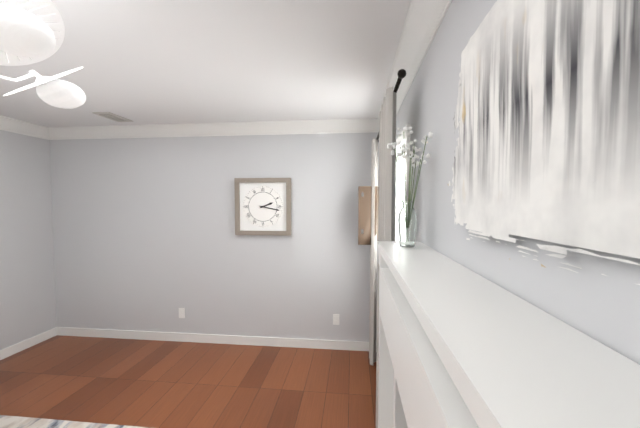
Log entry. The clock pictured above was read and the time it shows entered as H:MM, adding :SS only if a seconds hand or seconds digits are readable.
2:17
